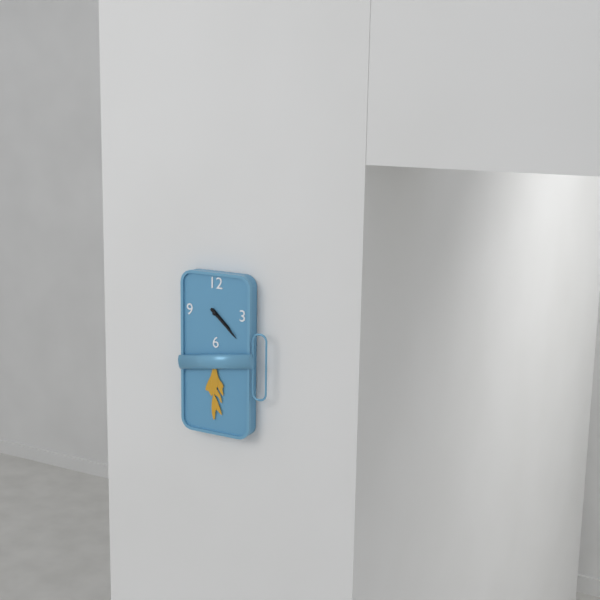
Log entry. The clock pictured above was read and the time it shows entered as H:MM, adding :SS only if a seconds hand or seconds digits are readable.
4:22
